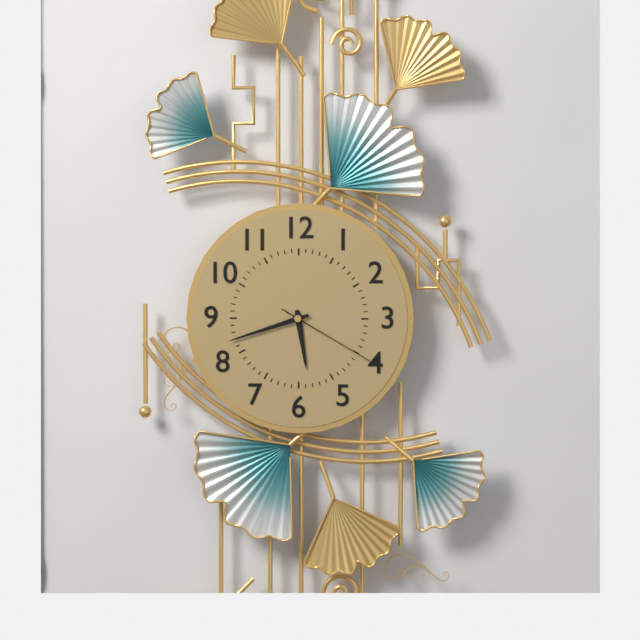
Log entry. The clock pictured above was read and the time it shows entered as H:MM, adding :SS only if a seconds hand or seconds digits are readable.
5:42:20
